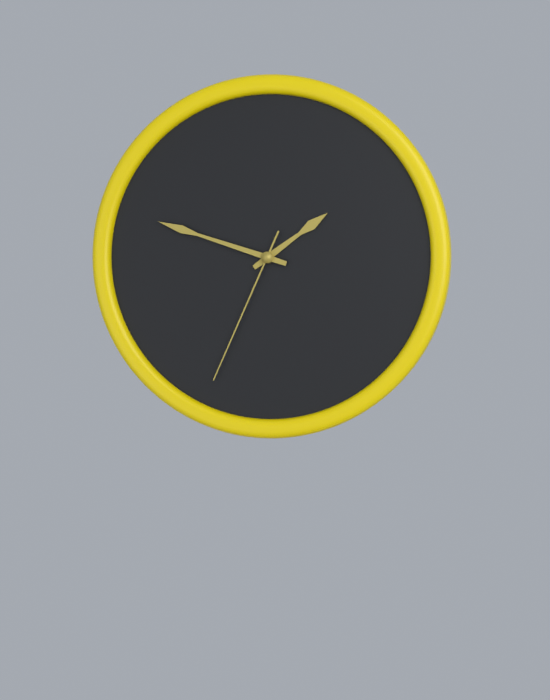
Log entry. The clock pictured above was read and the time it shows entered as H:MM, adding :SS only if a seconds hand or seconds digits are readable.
1:48:34
